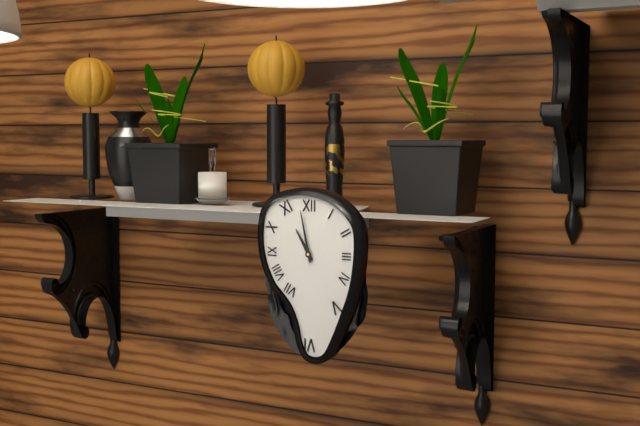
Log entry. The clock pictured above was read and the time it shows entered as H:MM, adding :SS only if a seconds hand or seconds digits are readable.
10:58
